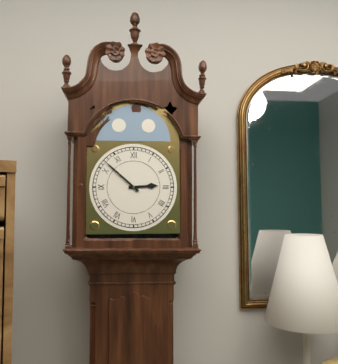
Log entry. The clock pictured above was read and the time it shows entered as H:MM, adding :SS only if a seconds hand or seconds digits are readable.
2:52
